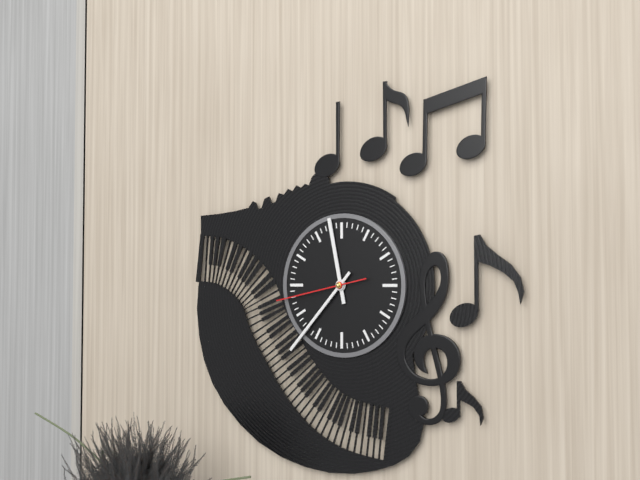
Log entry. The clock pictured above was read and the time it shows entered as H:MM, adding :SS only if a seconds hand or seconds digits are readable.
11:37:43
